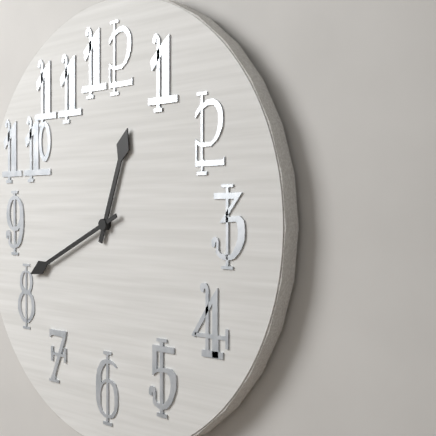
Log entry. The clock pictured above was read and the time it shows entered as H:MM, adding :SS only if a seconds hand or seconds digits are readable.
12:41
